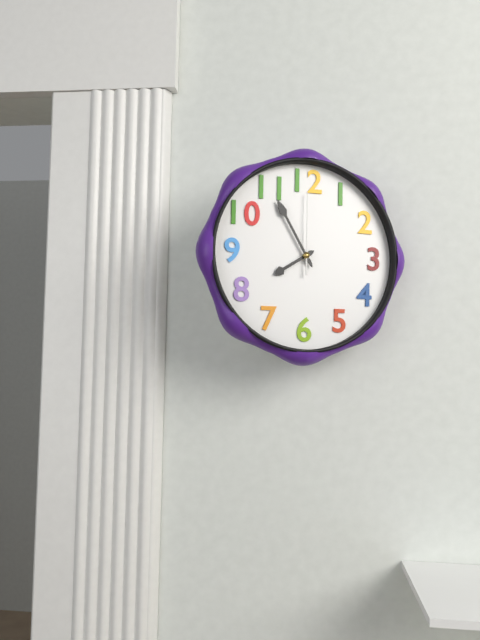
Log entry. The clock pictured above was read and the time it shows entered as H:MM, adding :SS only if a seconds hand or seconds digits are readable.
7:55:00
